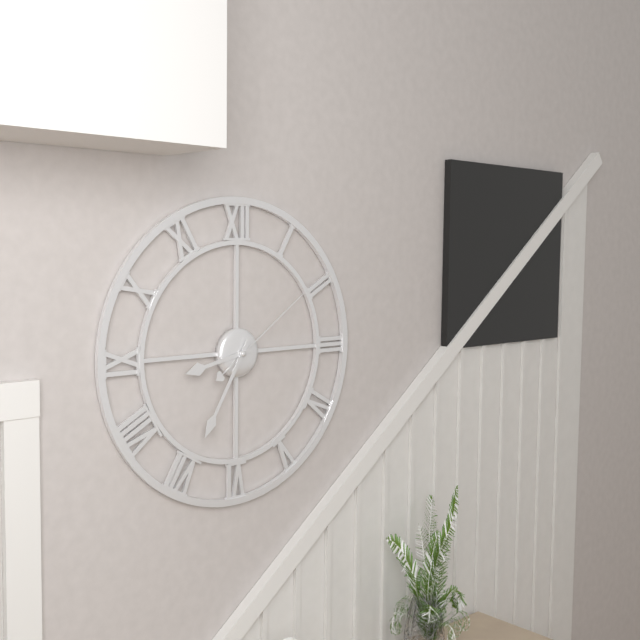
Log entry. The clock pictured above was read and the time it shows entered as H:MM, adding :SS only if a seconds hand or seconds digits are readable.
8:35:09
